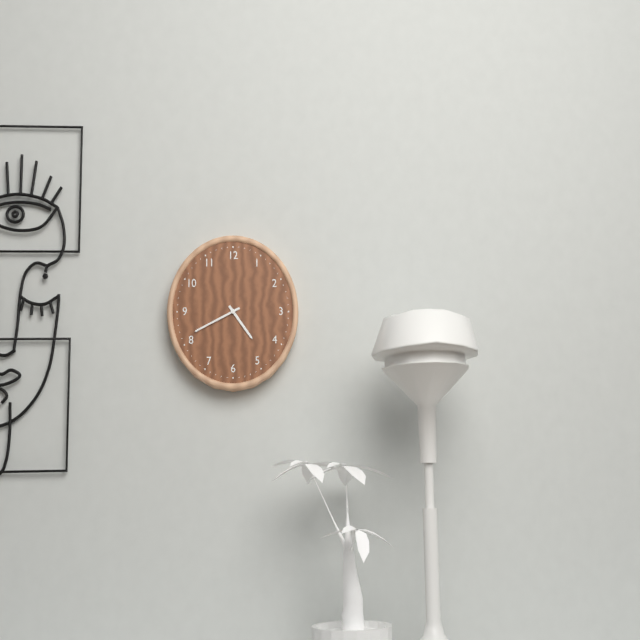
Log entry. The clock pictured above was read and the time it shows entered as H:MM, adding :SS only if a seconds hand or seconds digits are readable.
4:41
